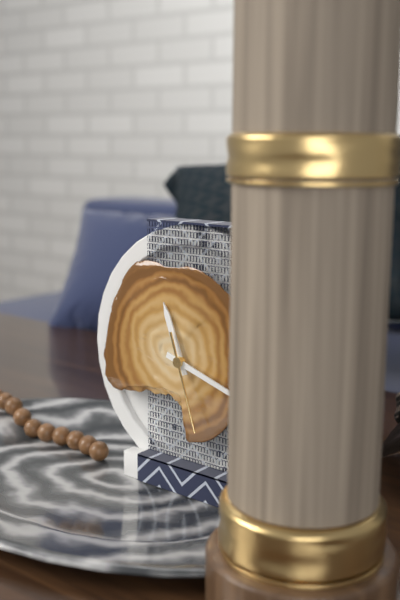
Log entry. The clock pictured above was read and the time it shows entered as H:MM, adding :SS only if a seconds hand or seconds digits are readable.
11:18:27
